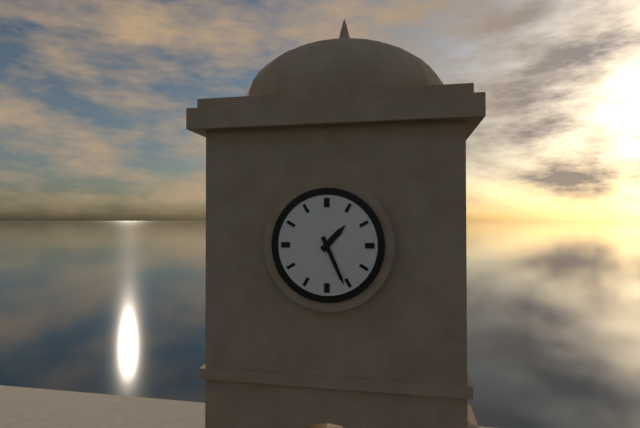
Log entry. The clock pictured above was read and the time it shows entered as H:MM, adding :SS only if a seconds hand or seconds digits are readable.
1:26
